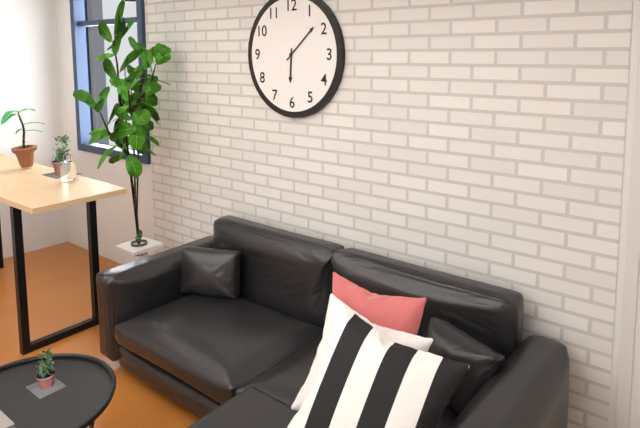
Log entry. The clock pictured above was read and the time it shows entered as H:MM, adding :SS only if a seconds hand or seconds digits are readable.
6:08
